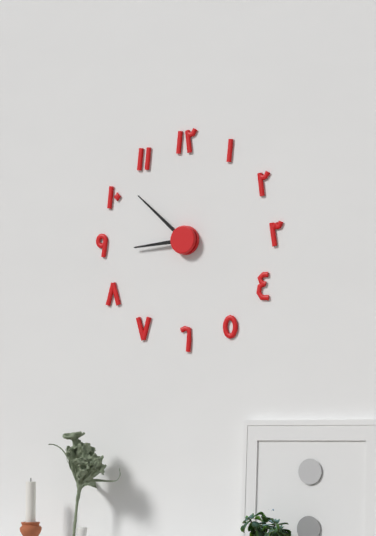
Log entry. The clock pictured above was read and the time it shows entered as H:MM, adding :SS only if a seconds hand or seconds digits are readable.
8:52
